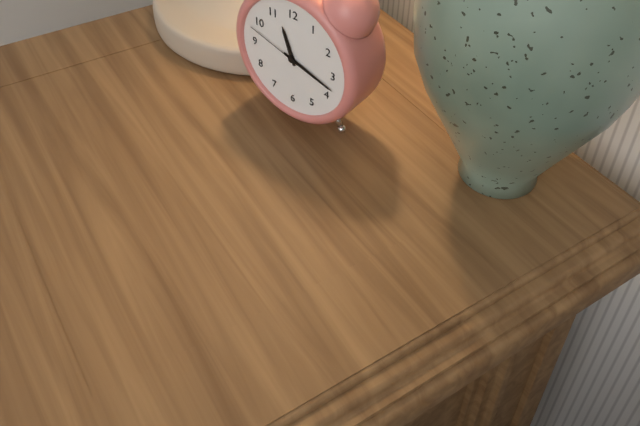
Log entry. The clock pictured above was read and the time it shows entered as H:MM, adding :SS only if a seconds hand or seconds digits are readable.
11:18:48
